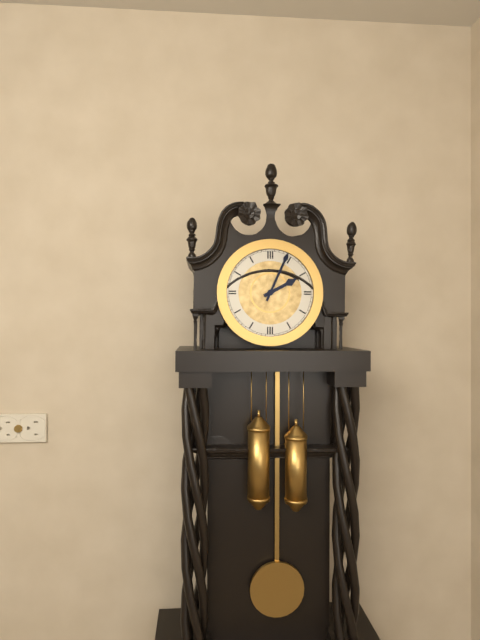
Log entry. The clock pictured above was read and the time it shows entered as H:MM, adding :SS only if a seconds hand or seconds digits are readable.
2:04
